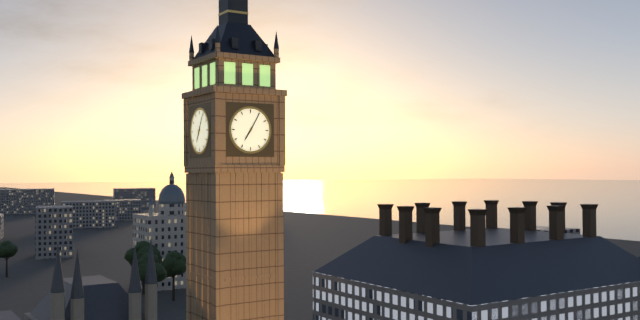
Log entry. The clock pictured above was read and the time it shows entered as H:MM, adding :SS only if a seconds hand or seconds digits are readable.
7:05
